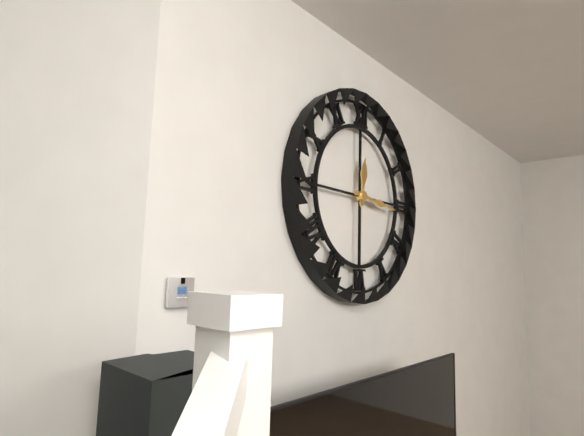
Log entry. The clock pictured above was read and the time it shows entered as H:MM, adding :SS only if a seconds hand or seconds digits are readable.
12:16
